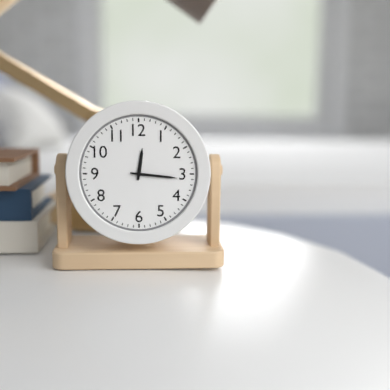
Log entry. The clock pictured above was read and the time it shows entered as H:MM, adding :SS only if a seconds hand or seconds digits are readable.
12:16
